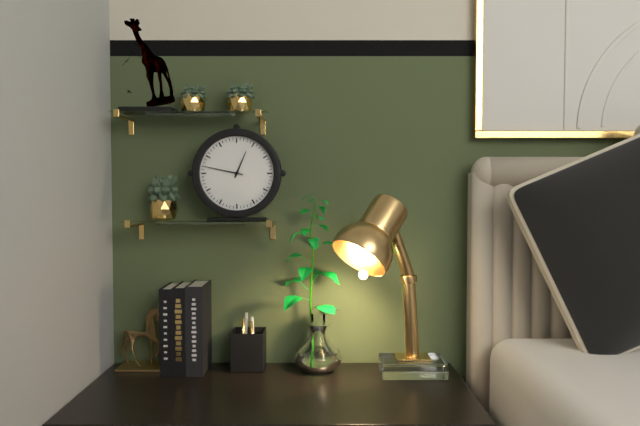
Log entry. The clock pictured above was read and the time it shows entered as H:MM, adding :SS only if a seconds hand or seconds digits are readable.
12:47
